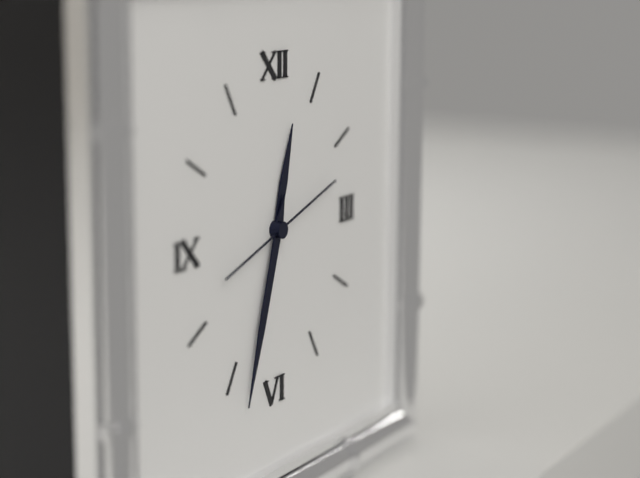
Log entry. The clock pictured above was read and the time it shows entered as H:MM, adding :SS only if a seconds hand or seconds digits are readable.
12:33:12
